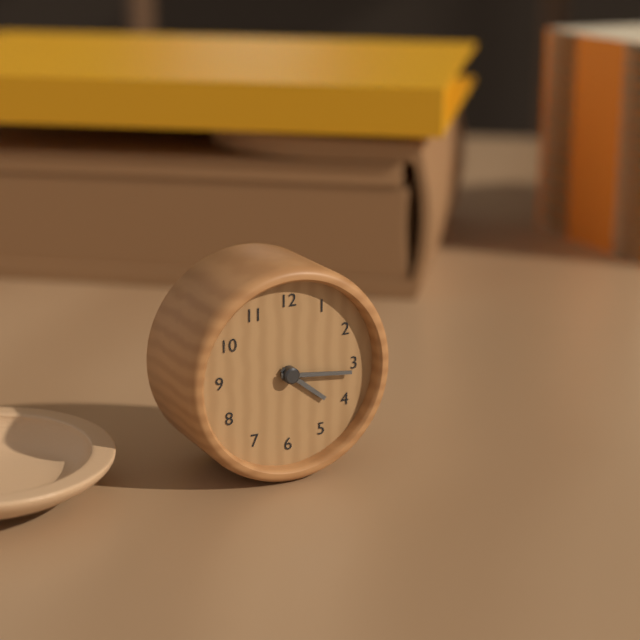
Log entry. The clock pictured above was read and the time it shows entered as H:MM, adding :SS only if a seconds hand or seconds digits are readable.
4:16
